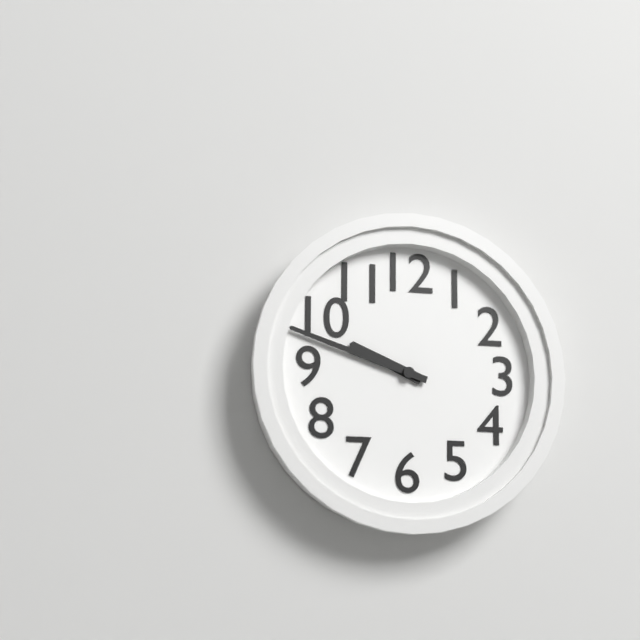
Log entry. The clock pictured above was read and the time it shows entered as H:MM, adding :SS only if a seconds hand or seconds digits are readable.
9:48
